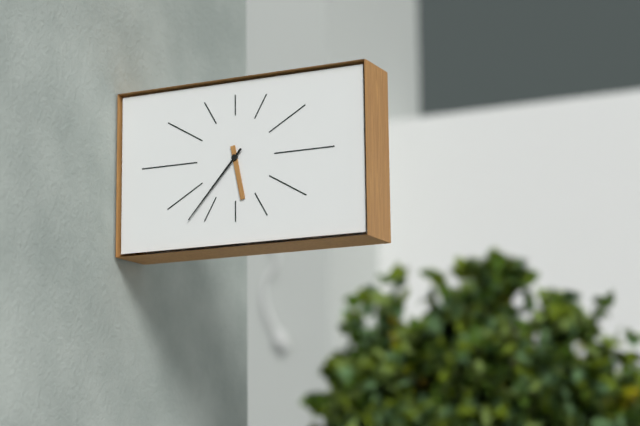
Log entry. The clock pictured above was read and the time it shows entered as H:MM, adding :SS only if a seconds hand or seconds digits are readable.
5:37
